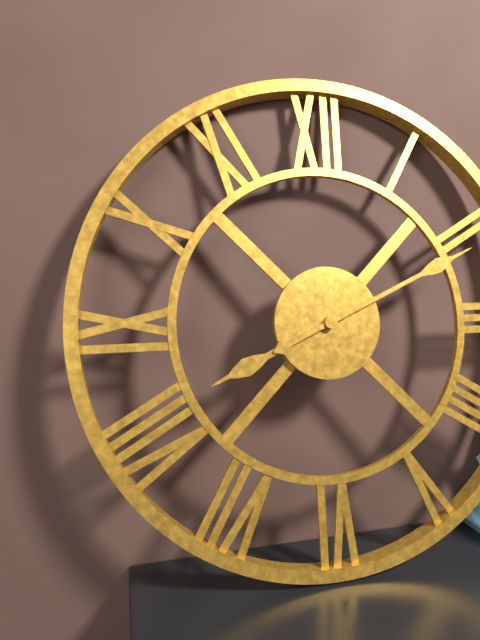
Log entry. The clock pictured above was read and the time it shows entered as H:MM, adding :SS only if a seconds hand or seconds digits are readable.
8:11
